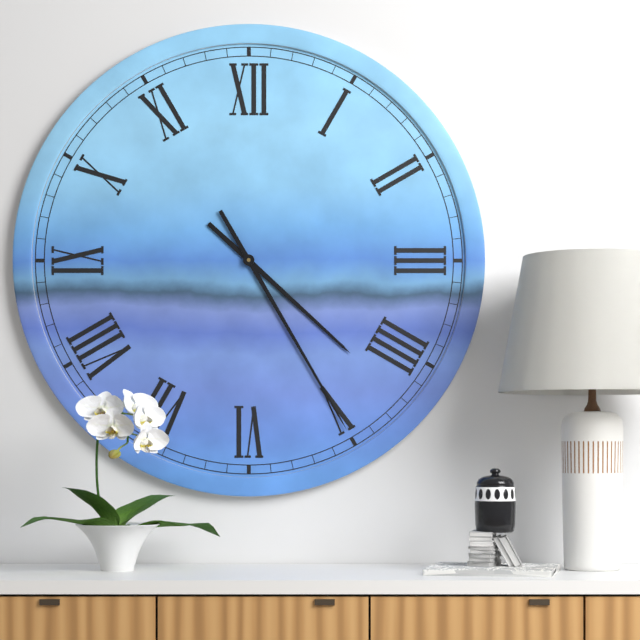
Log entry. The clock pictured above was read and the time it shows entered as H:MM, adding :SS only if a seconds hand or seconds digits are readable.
4:25
